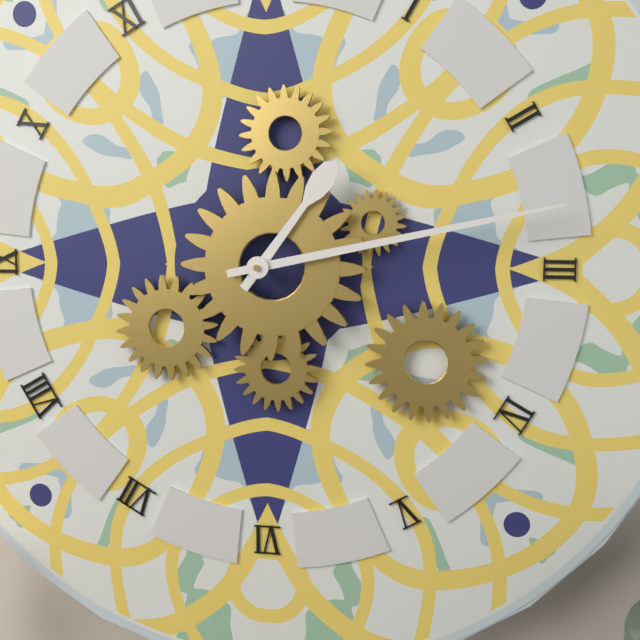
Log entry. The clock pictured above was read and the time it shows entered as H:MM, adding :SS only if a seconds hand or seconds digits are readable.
1:13
